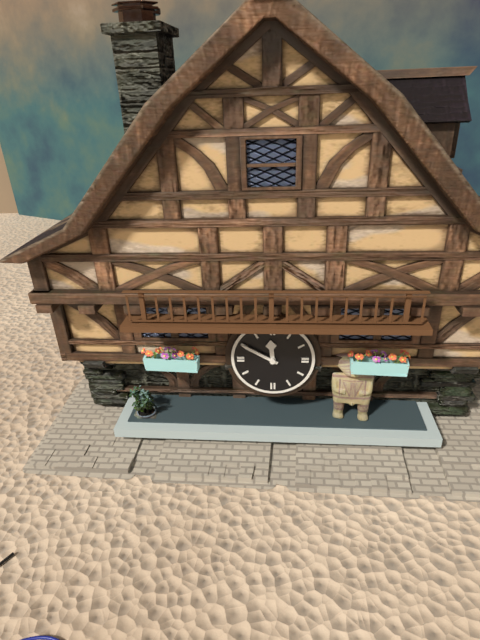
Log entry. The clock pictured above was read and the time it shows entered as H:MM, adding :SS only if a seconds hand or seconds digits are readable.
11:50
